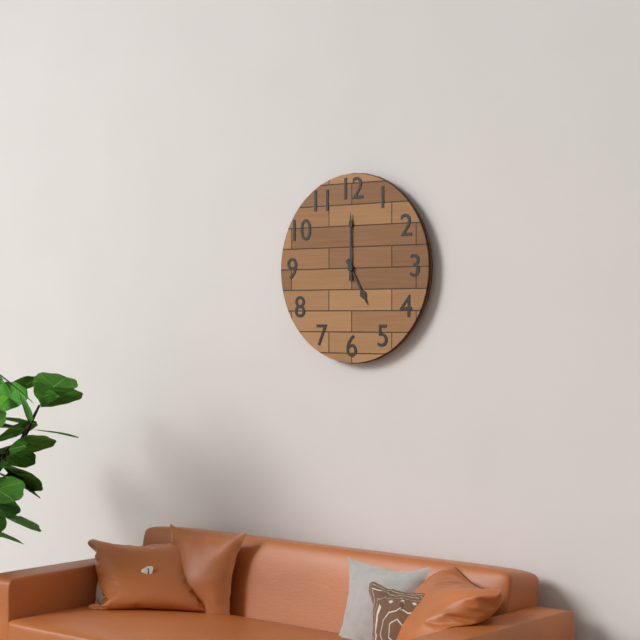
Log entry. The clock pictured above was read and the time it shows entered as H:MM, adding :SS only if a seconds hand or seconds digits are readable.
5:00
